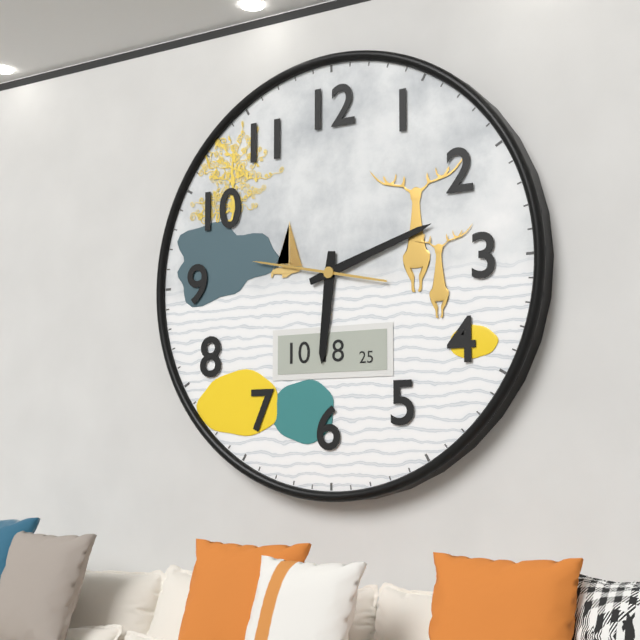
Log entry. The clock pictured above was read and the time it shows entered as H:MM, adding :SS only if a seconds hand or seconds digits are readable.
6:12:47
